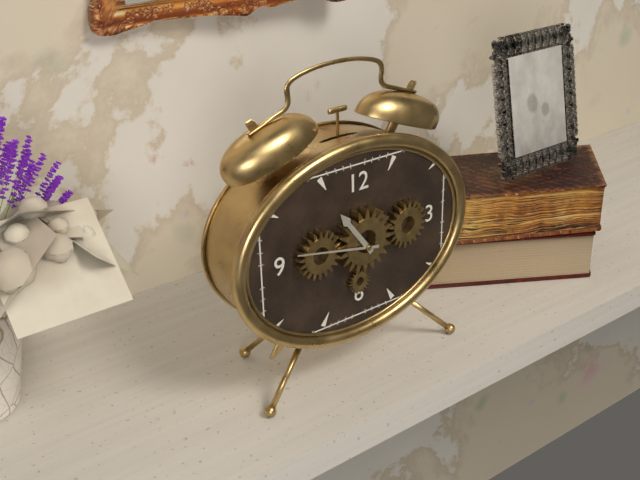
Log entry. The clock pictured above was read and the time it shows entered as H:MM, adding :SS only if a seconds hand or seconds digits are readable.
10:47
